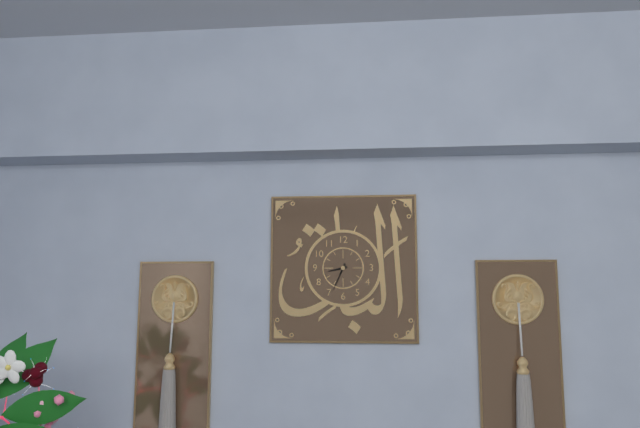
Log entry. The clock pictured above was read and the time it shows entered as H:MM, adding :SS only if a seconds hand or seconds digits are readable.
8:34
